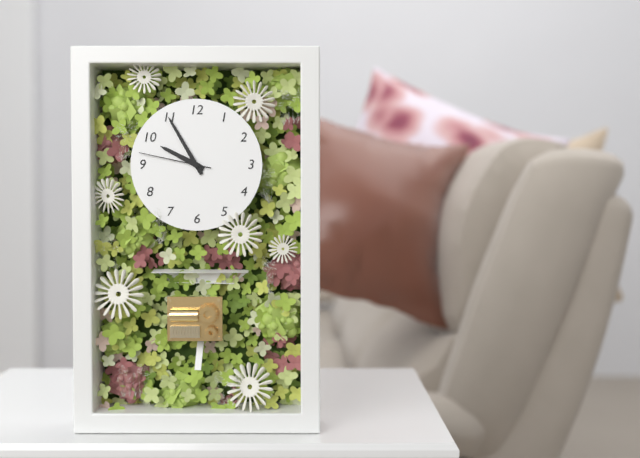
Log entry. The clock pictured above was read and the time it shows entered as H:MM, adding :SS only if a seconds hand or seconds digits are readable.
9:55:47
